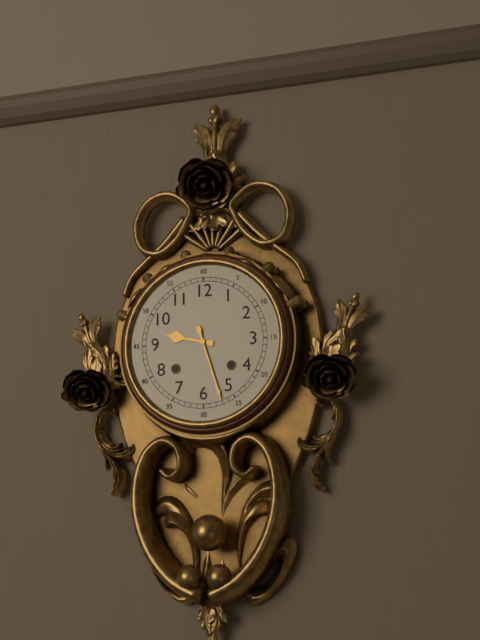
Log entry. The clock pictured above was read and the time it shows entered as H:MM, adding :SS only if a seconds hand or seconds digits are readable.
9:27
